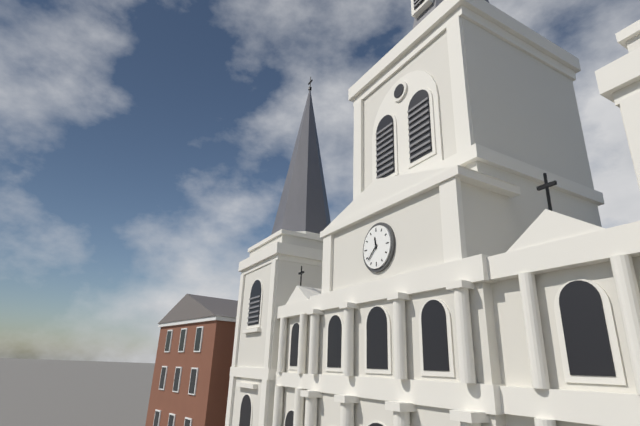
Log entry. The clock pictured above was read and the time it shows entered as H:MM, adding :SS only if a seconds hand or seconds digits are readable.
11:38
